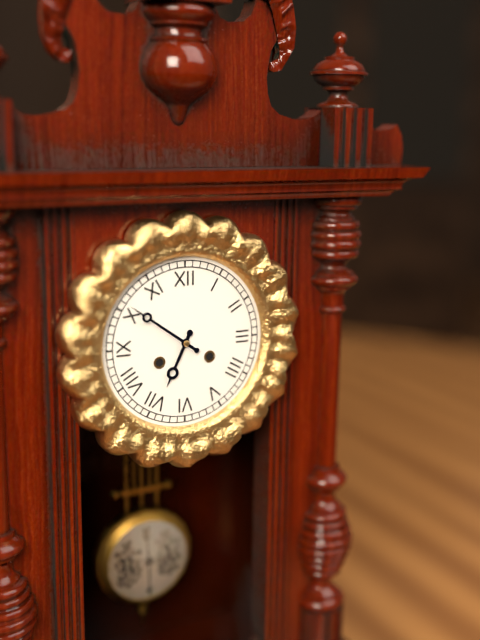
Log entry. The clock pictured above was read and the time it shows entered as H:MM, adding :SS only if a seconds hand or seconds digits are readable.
6:51
